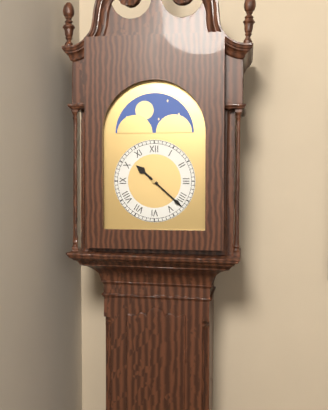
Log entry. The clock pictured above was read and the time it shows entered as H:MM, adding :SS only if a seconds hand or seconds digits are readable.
10:22
